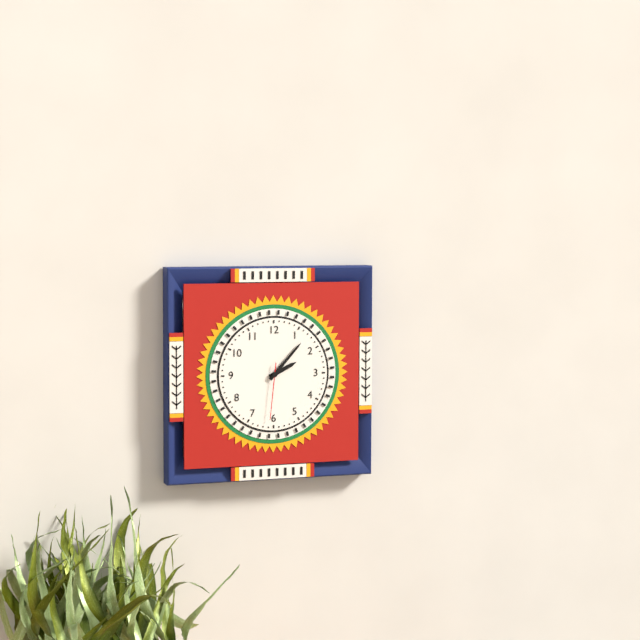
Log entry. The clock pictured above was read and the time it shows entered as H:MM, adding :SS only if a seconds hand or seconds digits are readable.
2:07:31
